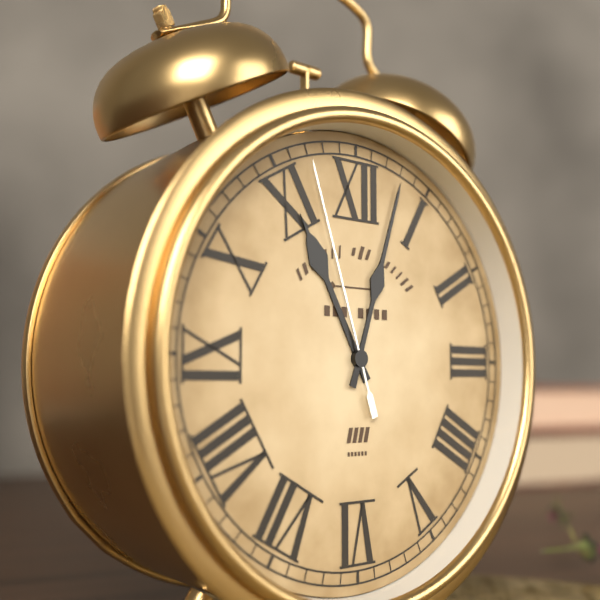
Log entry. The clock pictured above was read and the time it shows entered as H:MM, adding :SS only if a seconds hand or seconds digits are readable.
11:03:57
